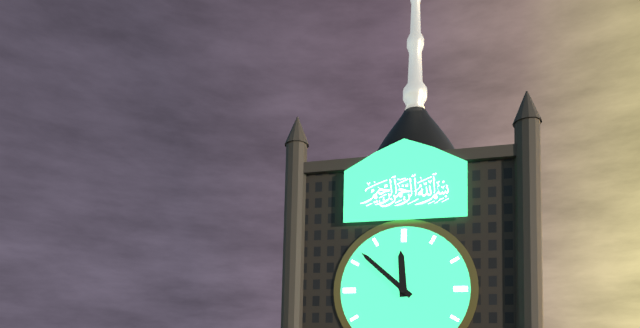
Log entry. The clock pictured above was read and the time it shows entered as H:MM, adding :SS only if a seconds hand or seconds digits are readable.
11:52
